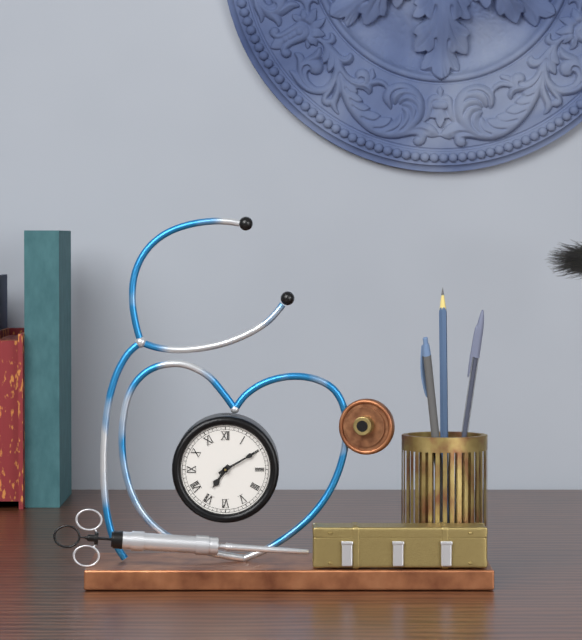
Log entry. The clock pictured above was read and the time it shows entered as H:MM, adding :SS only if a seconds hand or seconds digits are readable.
7:10
